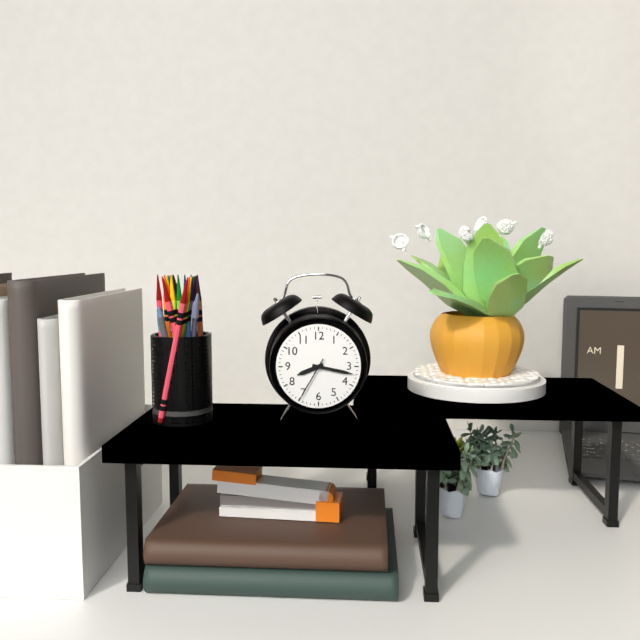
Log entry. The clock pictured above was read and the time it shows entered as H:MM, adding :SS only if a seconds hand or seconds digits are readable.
8:17
